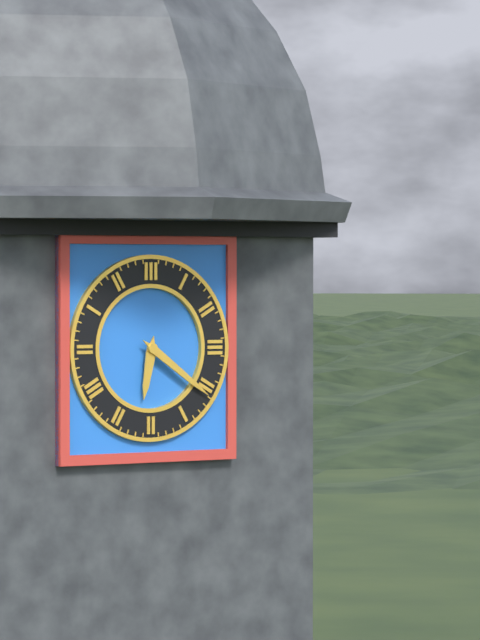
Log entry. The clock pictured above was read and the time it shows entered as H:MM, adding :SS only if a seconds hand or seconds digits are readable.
6:21
